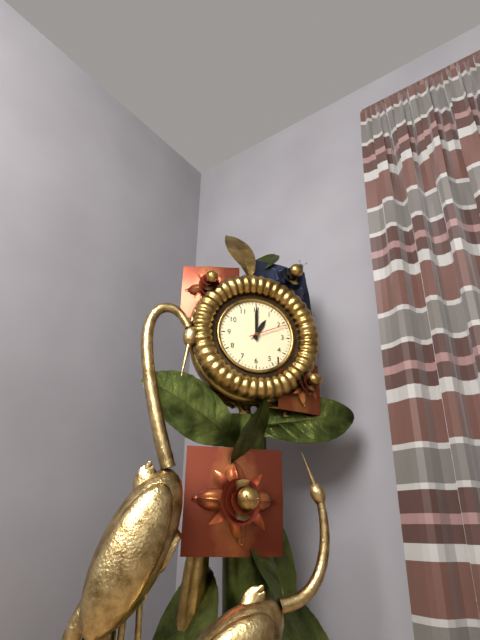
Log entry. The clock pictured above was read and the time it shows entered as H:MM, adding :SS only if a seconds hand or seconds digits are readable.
1:00
